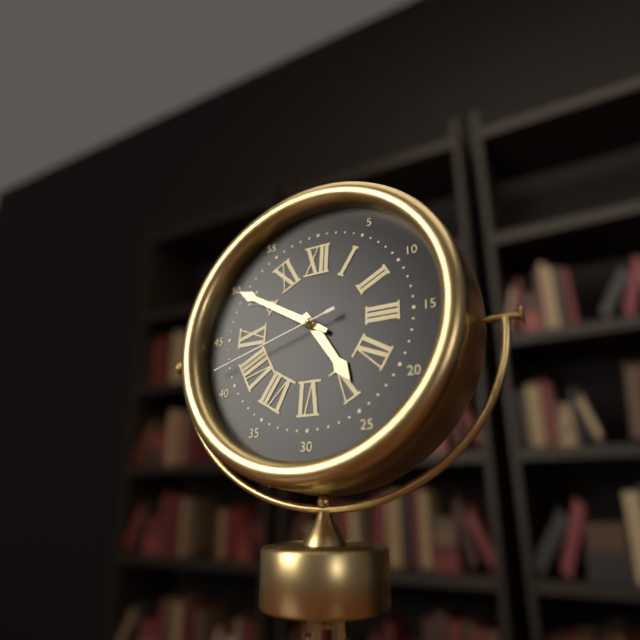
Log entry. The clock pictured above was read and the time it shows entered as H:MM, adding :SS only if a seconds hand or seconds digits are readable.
4:50:42
